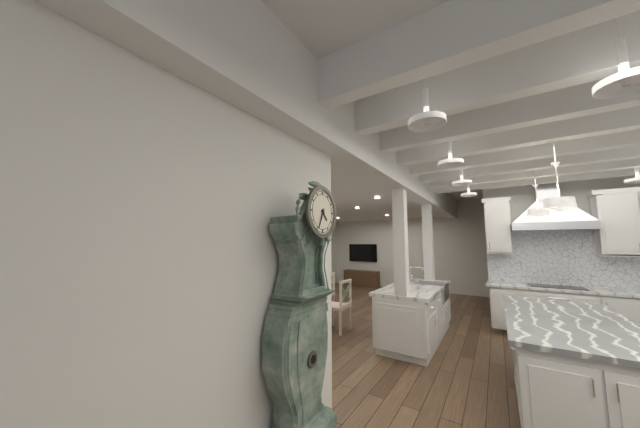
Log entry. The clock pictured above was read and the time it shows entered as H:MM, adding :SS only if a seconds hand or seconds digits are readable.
4:34
